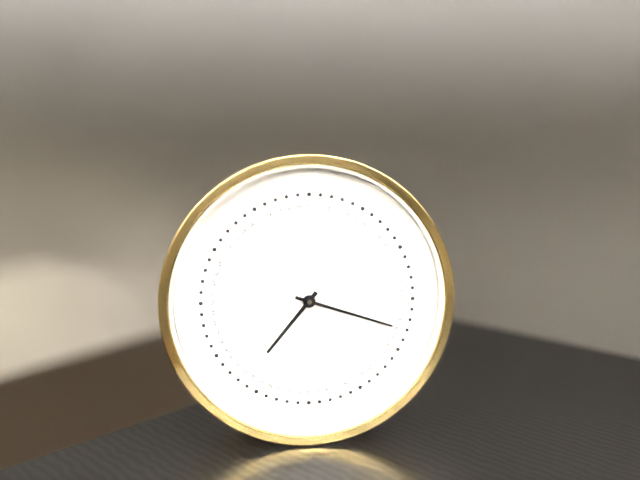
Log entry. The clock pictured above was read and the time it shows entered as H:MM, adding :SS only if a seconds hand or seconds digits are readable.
7:18
